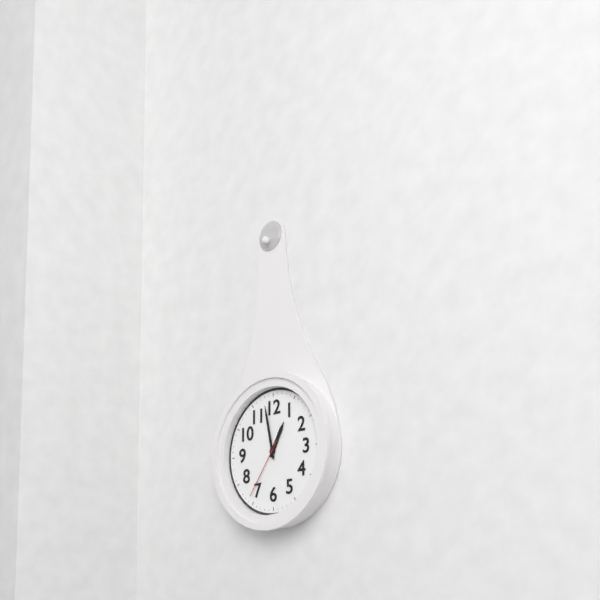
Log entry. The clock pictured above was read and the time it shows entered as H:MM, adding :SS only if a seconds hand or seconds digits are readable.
12:58:36
